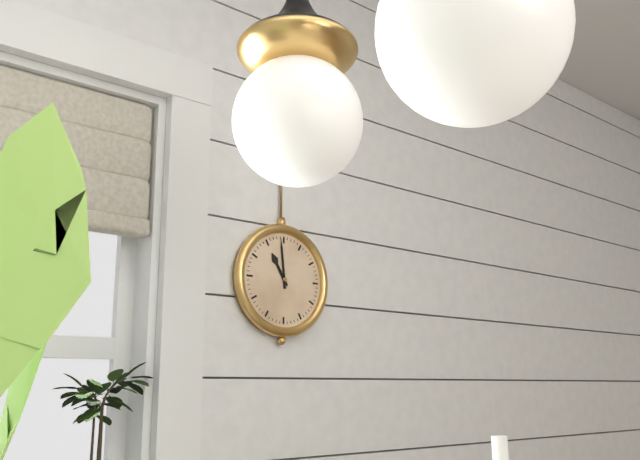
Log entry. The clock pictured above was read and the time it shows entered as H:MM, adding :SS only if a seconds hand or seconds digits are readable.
10:59
